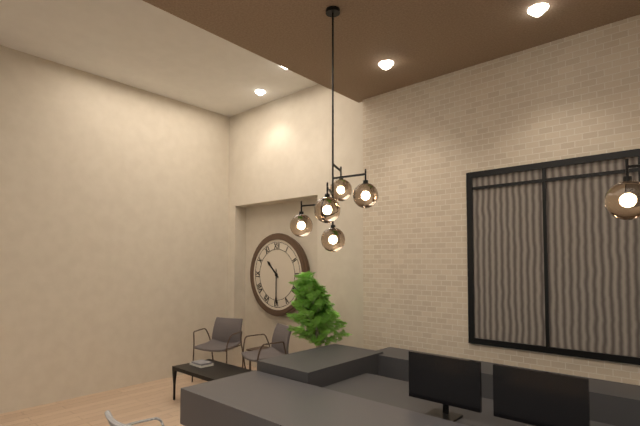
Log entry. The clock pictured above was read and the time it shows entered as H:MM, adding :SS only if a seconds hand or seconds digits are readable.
10:30
